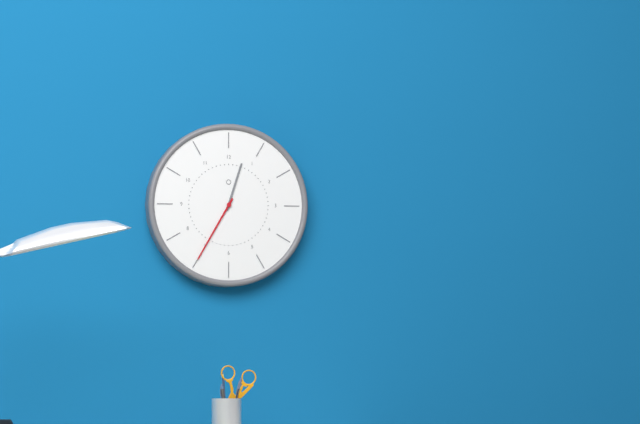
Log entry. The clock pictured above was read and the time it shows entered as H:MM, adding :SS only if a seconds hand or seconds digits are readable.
12:35
